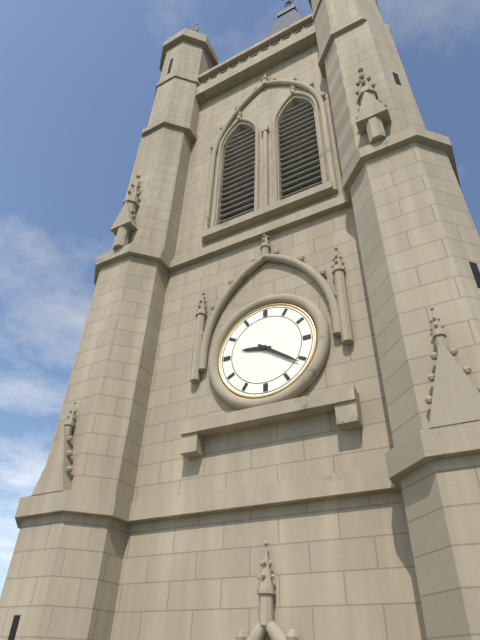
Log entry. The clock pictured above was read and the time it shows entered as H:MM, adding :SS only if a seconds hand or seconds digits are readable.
9:21
